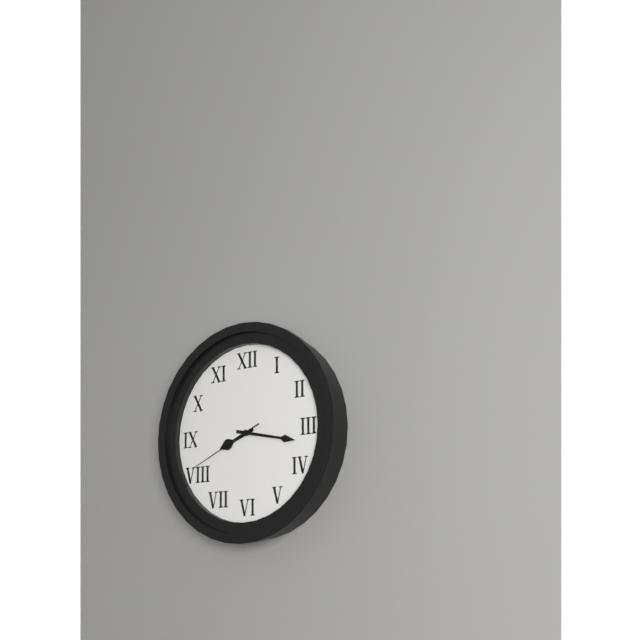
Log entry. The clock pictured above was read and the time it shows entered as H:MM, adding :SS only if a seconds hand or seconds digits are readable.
8:17:41
